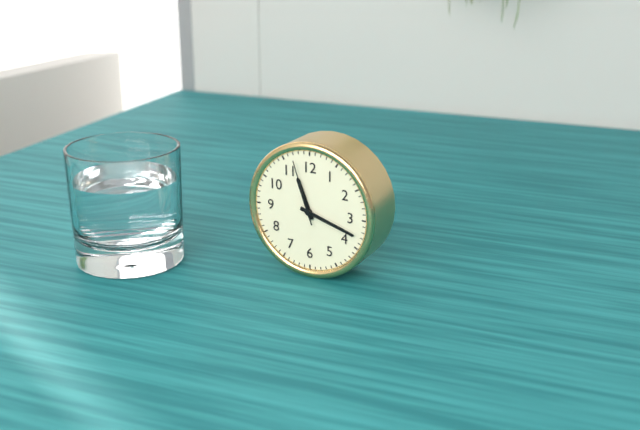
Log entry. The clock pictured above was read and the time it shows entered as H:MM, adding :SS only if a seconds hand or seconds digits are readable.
11:18:57
